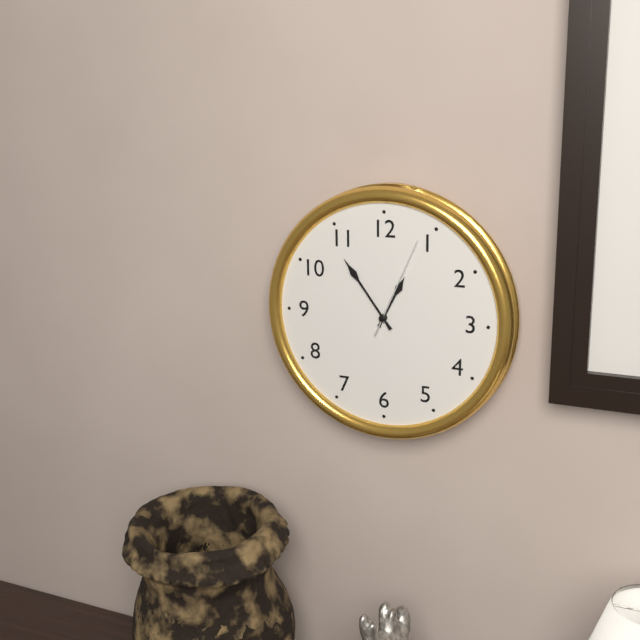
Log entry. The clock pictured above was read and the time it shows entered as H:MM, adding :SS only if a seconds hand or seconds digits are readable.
12:54:04
